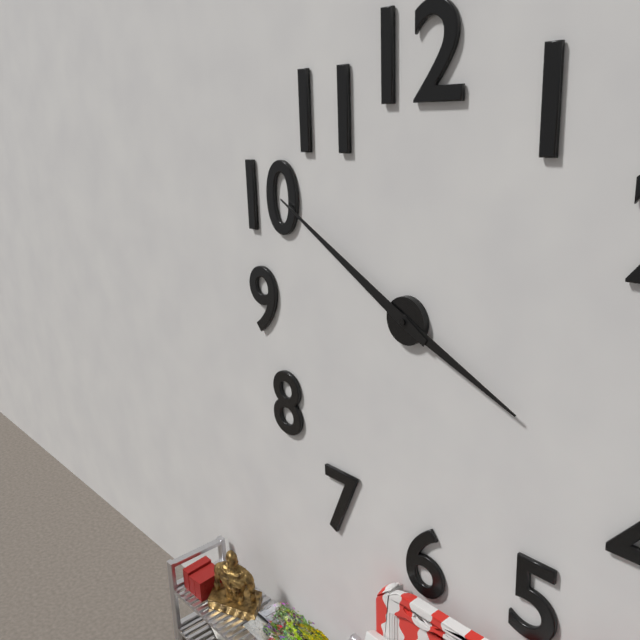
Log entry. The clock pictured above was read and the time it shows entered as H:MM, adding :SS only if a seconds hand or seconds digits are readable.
3:50
